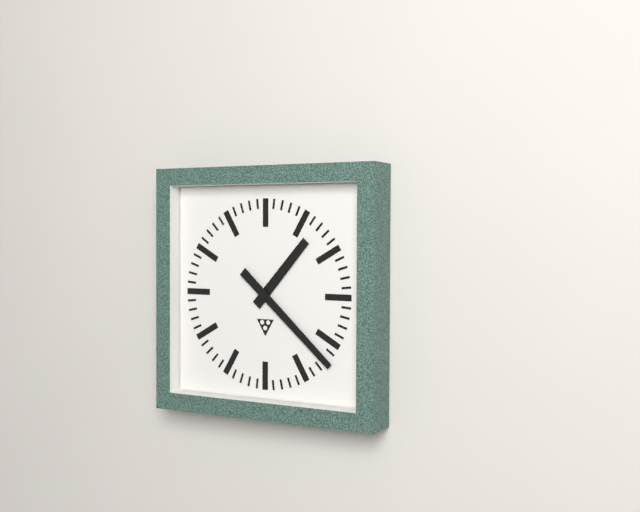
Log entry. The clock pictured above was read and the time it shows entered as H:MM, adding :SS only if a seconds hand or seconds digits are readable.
1:22
